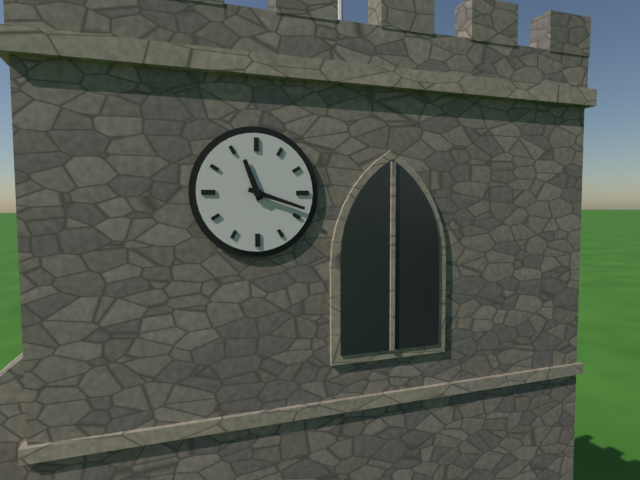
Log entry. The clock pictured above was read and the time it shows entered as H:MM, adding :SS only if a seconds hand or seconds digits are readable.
11:18
